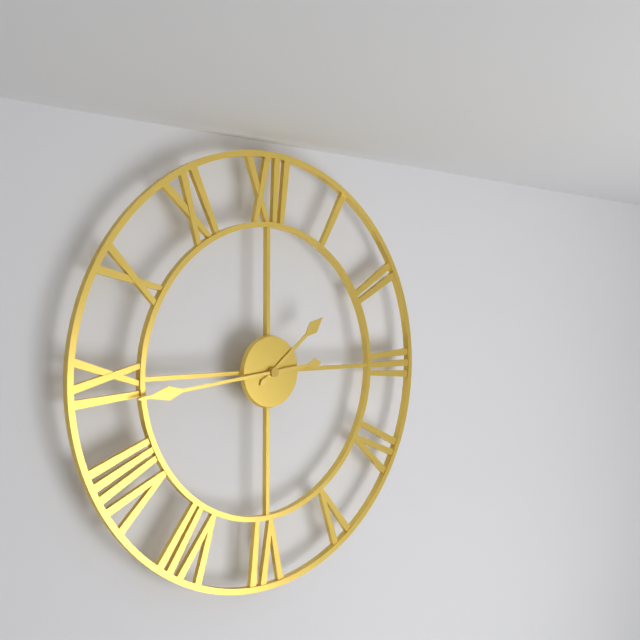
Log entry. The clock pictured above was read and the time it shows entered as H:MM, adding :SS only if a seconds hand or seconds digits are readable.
1:44
